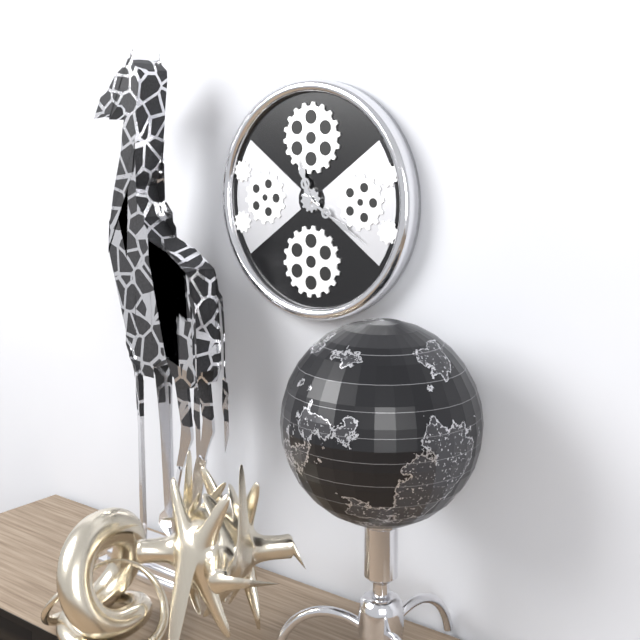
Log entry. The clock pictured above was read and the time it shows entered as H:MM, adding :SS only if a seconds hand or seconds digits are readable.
11:20
